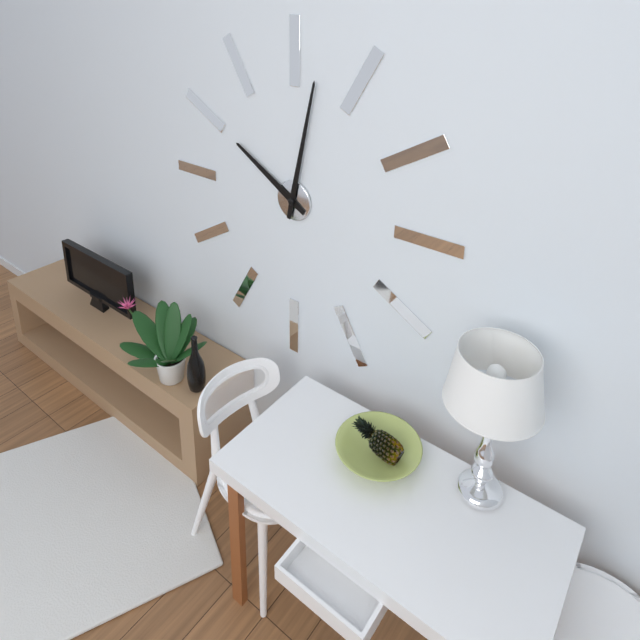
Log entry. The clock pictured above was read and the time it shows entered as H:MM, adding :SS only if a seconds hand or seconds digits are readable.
10:02
